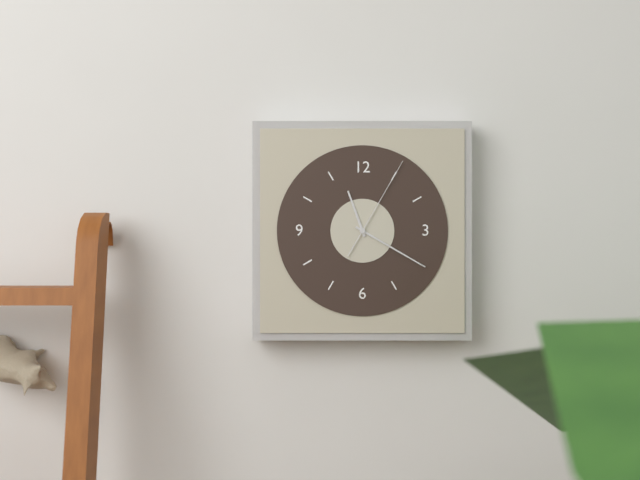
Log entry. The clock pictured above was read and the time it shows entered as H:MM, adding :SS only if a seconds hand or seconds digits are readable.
11:20:05
